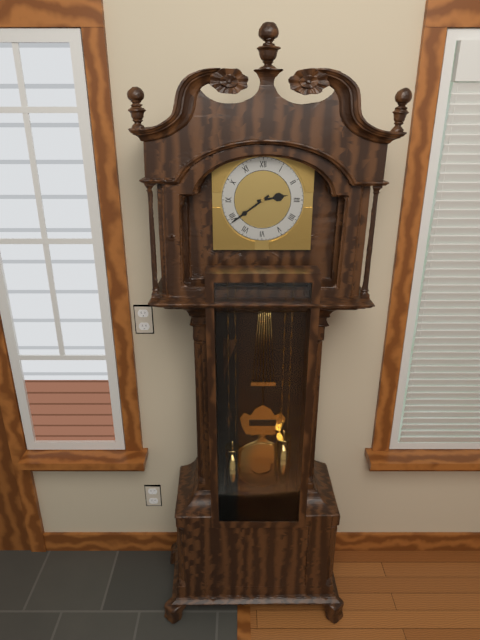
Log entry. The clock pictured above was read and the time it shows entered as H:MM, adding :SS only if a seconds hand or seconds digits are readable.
2:39
